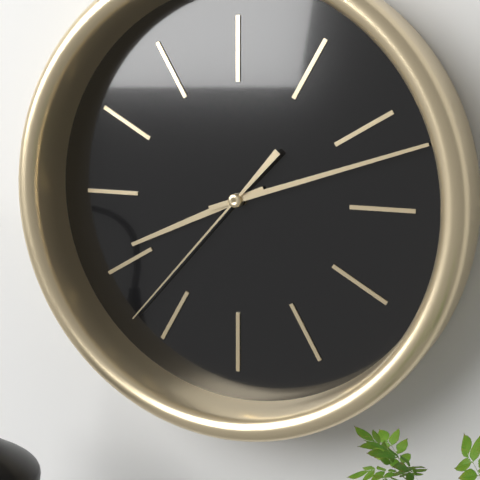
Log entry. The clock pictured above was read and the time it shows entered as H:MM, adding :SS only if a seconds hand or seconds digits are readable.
8:12:37
